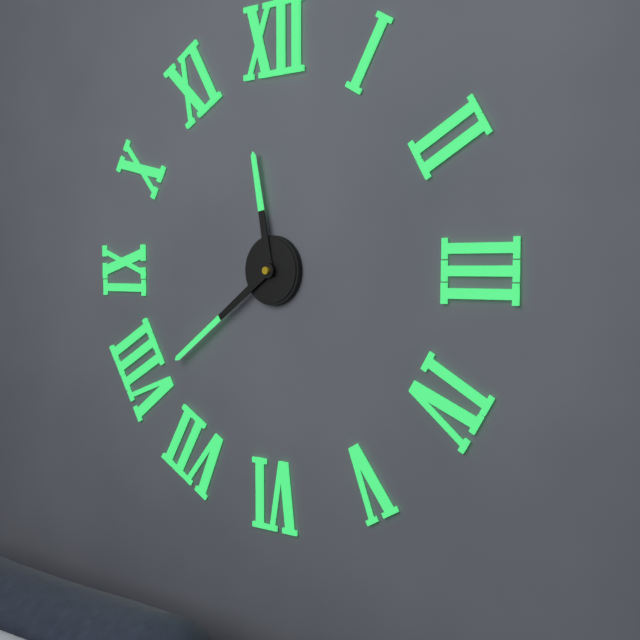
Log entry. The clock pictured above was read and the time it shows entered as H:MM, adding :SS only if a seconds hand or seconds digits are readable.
11:39
